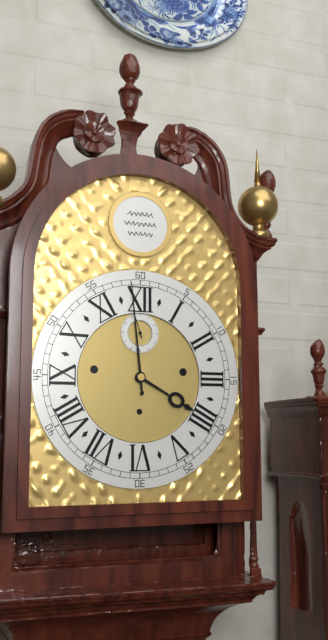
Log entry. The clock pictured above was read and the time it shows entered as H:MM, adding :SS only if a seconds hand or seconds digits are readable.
3:59
